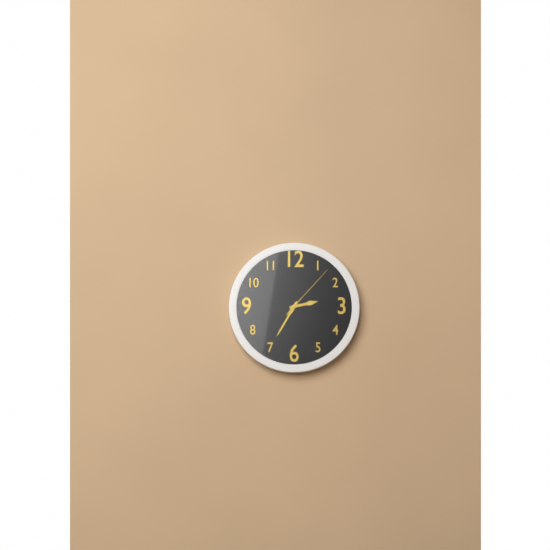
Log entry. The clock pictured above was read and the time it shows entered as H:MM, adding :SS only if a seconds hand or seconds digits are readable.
2:35:07
